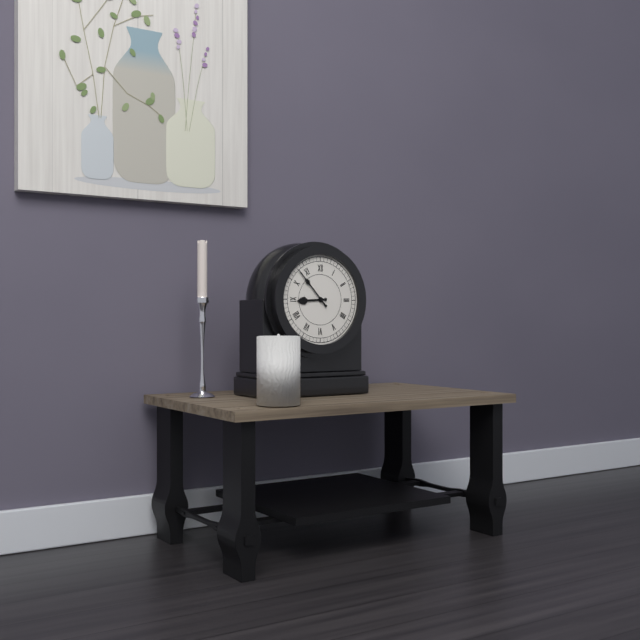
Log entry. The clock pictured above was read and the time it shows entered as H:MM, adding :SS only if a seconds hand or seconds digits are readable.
8:53
